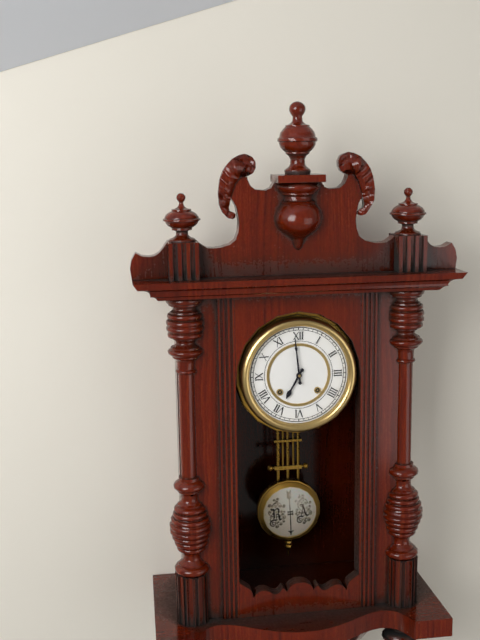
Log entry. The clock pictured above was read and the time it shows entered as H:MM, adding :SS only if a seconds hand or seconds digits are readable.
6:59
